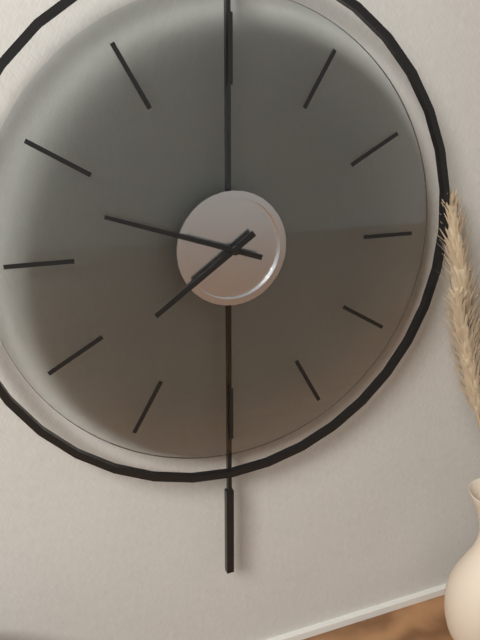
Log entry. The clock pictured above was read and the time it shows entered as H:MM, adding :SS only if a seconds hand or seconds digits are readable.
7:48
